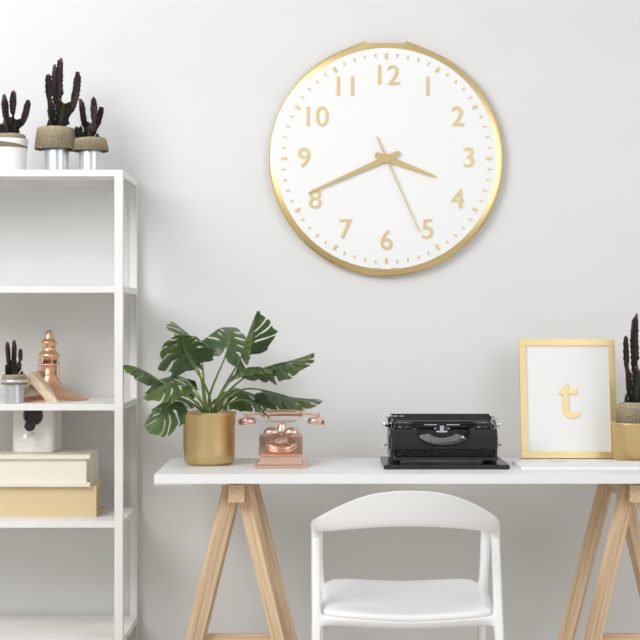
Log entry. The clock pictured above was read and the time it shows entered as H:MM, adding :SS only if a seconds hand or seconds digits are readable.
3:41:26
